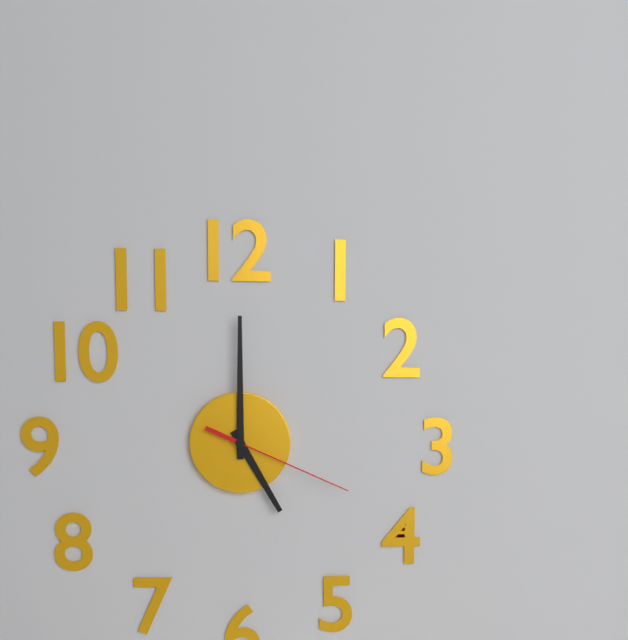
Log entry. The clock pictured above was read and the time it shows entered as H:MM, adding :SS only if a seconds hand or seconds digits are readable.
5:00:19
